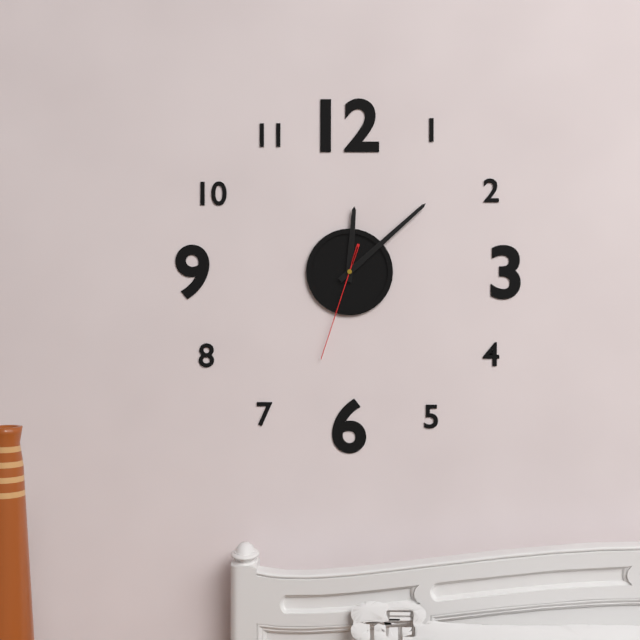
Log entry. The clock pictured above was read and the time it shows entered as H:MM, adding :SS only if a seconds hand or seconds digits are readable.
12:08:33
